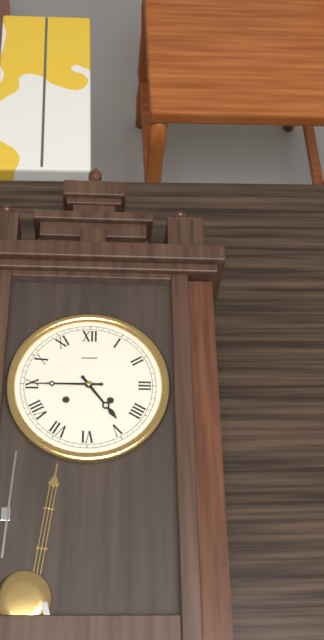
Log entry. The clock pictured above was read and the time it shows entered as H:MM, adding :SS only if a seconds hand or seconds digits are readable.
4:45
